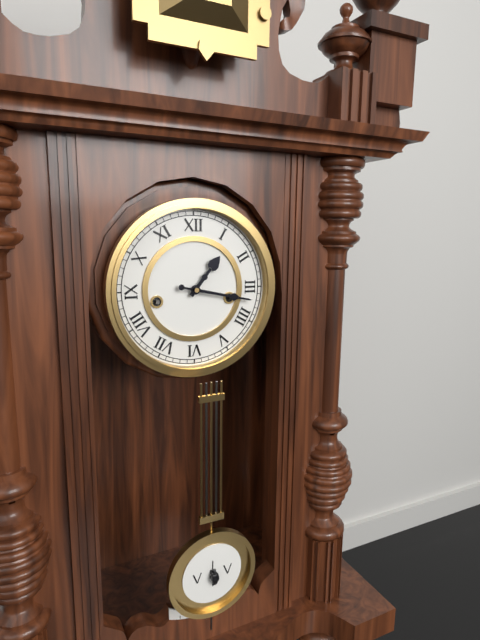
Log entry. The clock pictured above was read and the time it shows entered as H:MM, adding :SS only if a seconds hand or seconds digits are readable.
1:17
